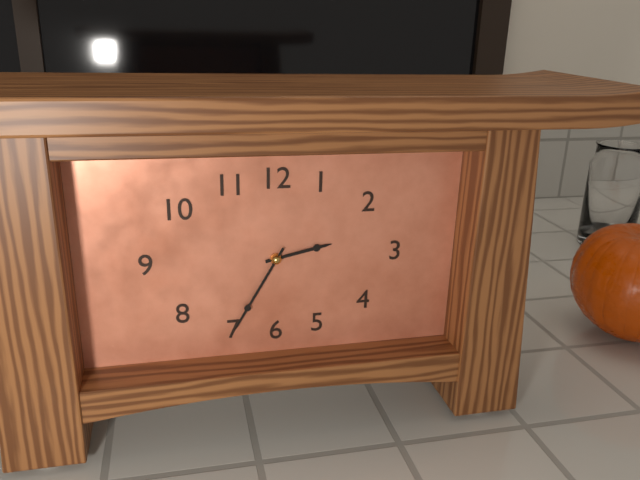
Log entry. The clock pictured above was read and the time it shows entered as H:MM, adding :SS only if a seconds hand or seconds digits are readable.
2:35
